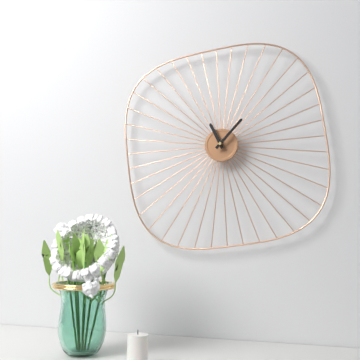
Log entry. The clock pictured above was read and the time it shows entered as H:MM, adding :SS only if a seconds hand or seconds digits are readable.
11:07
